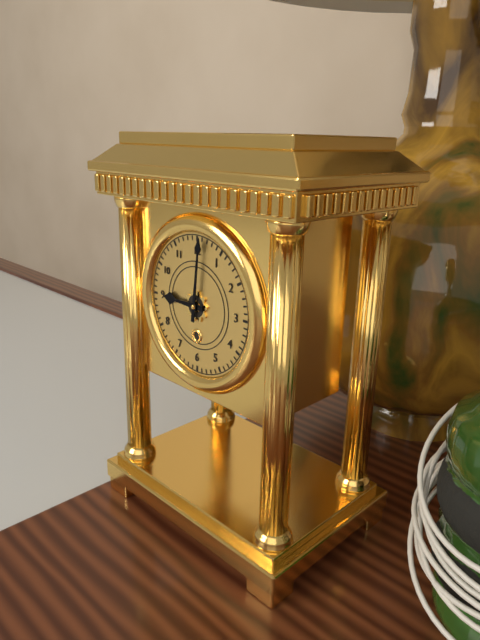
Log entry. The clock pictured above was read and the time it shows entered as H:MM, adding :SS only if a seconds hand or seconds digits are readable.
9:01
